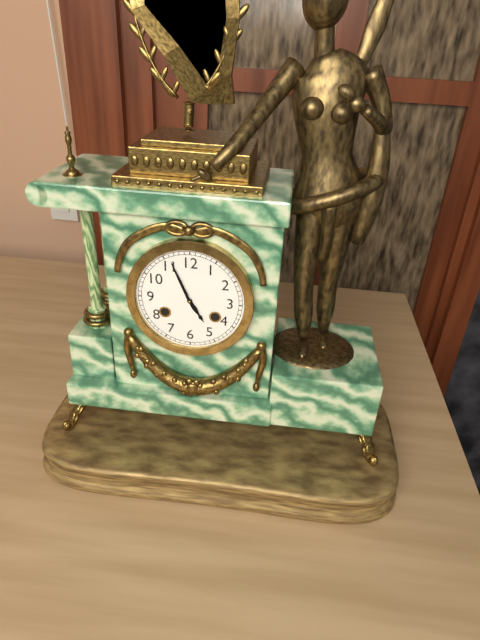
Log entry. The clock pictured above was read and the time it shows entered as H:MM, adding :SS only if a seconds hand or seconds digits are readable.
4:56
